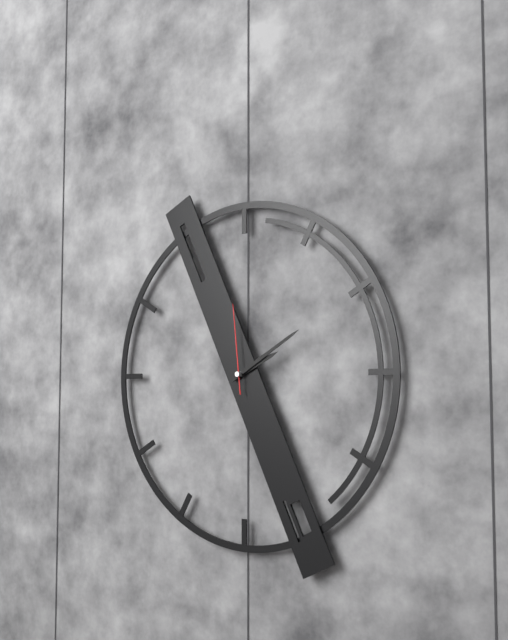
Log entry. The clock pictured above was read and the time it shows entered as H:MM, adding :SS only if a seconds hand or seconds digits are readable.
2:10:59
